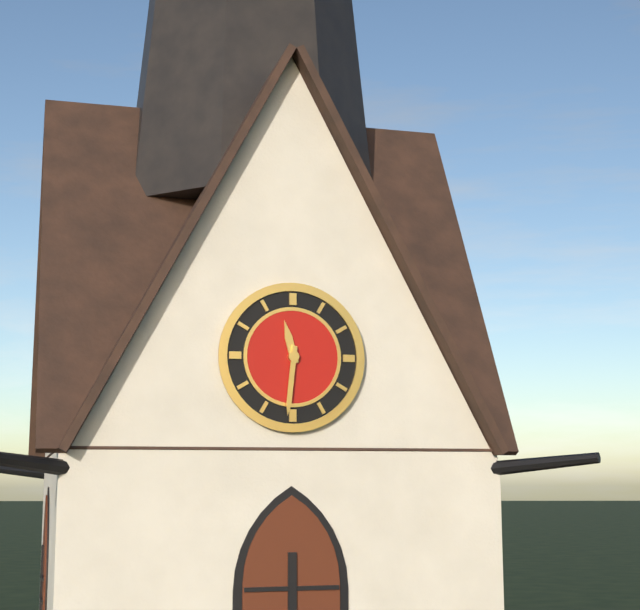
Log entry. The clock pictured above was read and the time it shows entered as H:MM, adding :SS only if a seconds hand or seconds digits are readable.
11:31
